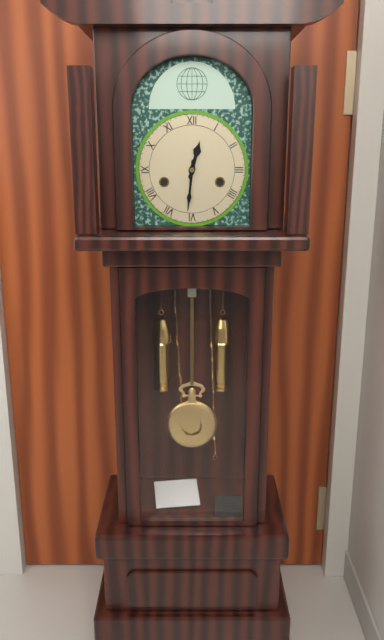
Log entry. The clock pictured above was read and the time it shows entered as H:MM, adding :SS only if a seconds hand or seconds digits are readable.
12:31
